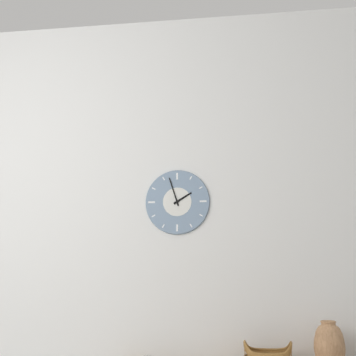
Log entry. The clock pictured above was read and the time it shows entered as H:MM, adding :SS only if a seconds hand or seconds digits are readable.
1:57
